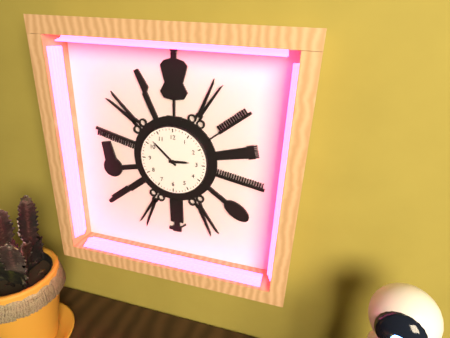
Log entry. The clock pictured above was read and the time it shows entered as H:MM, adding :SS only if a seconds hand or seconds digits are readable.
2:52
